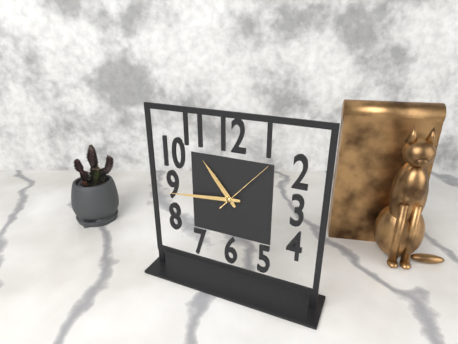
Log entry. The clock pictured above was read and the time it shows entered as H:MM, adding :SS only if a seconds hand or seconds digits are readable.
10:44:07
